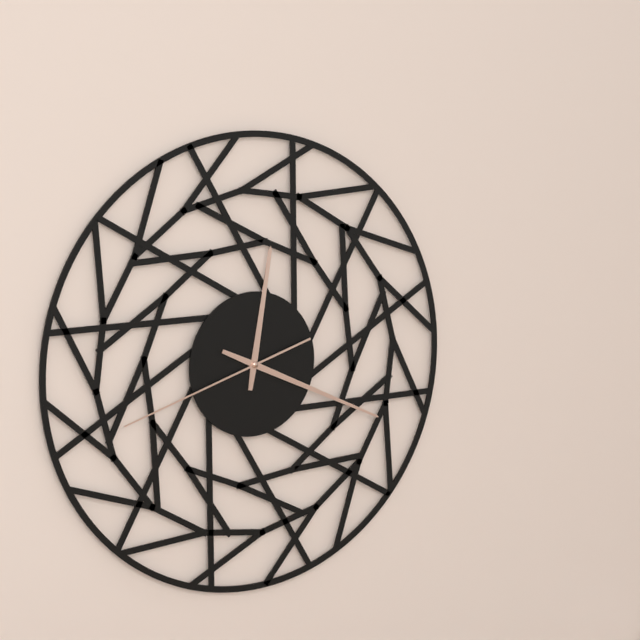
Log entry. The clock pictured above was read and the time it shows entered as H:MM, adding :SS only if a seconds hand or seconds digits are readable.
12:19:42
